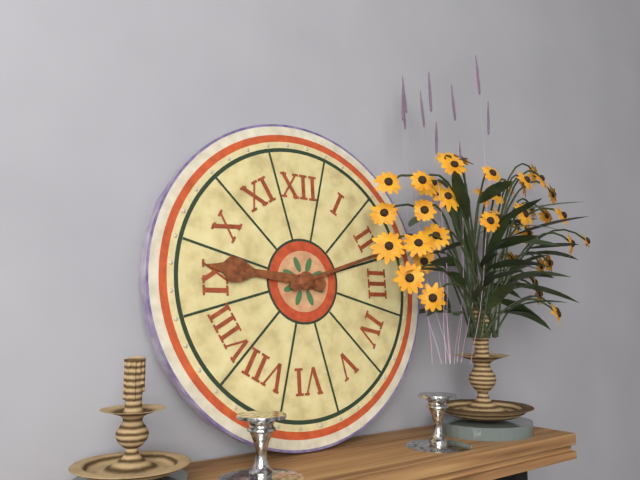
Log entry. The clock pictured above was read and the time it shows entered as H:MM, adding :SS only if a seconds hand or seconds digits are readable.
9:12
